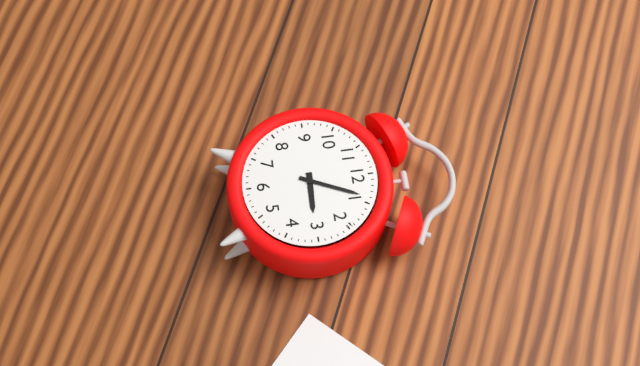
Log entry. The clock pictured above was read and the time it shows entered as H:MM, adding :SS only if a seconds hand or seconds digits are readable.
3:04
